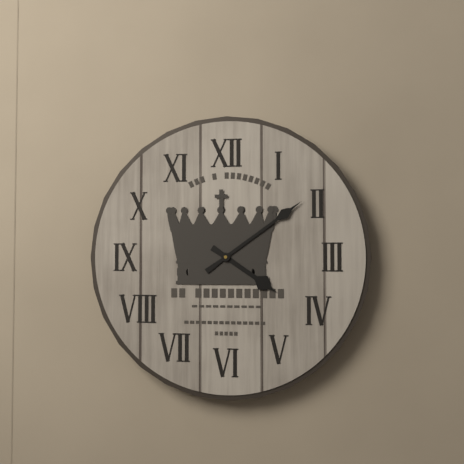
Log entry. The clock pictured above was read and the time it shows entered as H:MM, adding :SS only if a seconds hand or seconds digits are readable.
4:09
